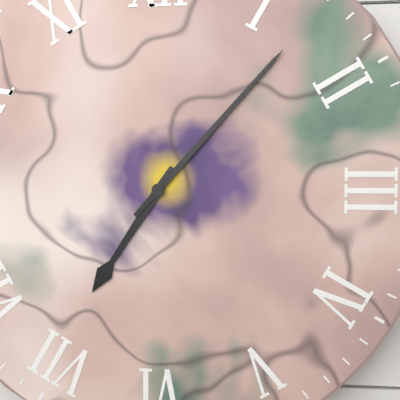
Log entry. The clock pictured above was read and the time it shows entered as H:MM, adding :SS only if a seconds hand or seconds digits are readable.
7:07
